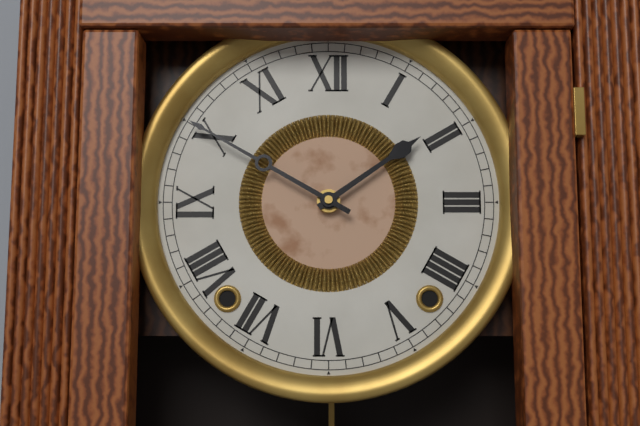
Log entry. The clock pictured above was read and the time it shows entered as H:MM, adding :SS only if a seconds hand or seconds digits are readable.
1:50
